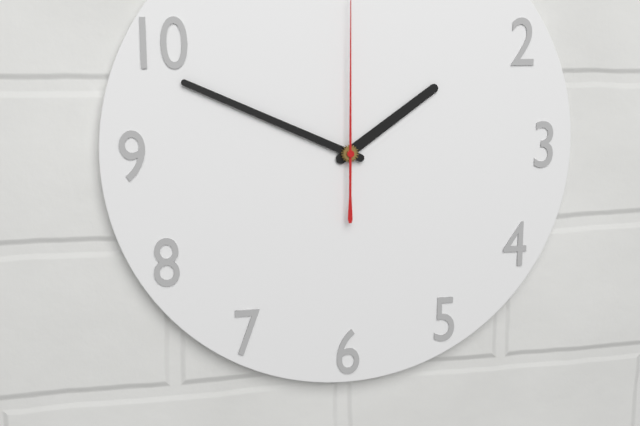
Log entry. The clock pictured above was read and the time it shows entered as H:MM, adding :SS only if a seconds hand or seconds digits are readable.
1:49
